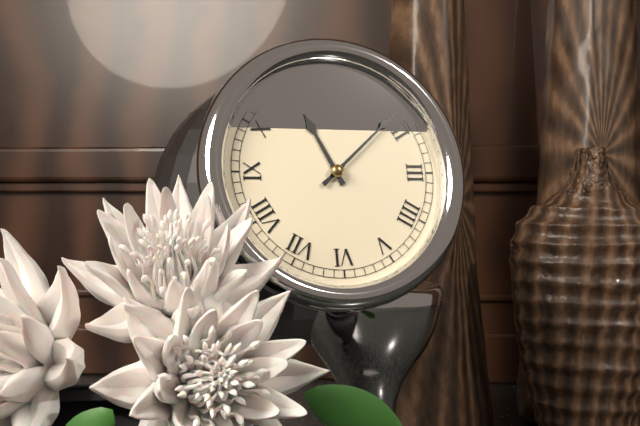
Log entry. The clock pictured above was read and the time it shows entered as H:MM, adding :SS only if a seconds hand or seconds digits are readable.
11:08
